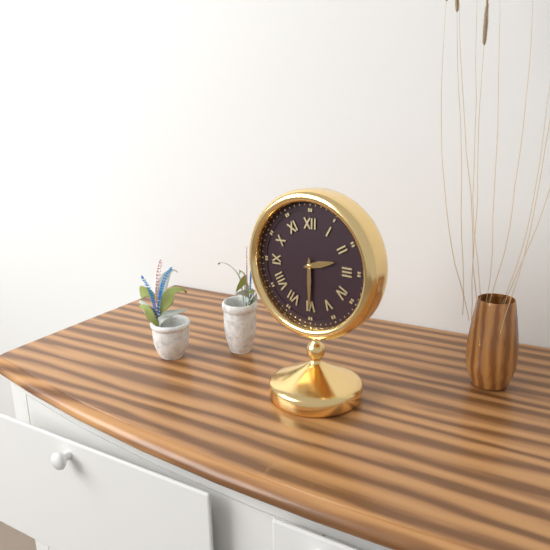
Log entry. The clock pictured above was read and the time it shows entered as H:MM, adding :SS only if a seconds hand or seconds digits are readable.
2:30
